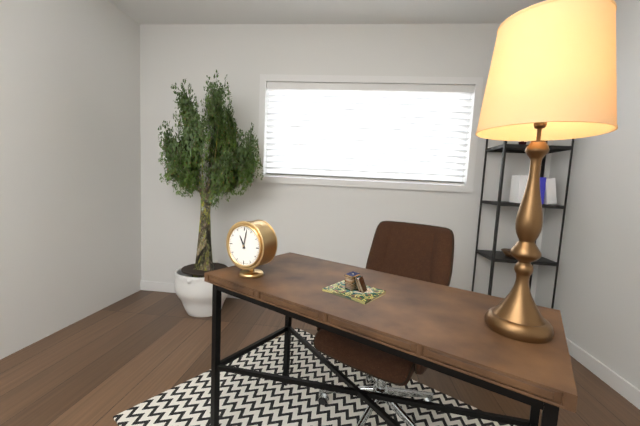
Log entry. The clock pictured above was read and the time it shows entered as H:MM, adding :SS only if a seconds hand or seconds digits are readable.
11:02
